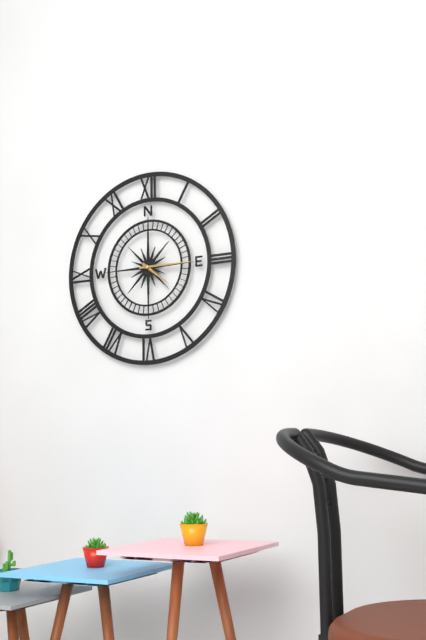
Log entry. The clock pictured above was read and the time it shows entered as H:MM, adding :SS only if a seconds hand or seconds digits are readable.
4:15
